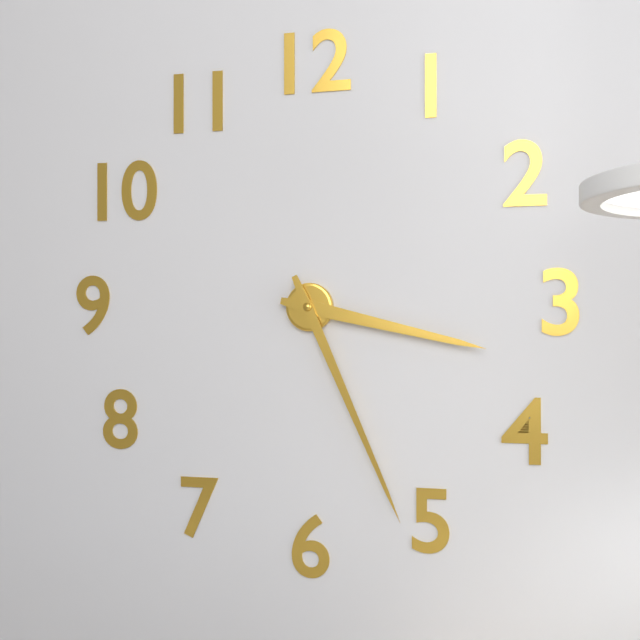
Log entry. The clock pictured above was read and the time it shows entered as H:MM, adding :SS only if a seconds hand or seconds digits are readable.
3:26
